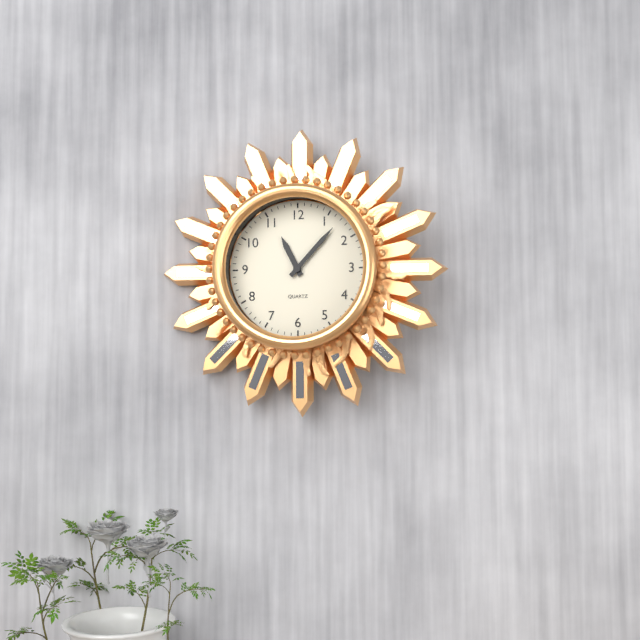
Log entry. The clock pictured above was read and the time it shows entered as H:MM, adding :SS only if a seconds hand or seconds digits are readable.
11:07
